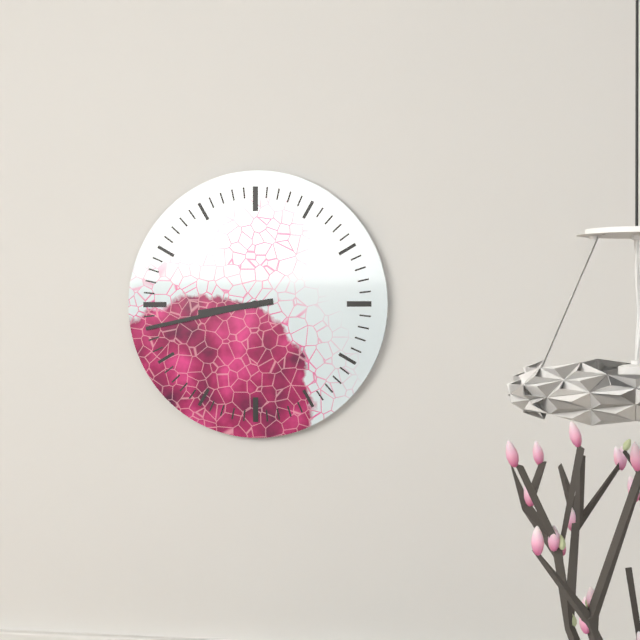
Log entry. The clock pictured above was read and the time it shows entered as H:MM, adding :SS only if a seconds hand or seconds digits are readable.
8:43
